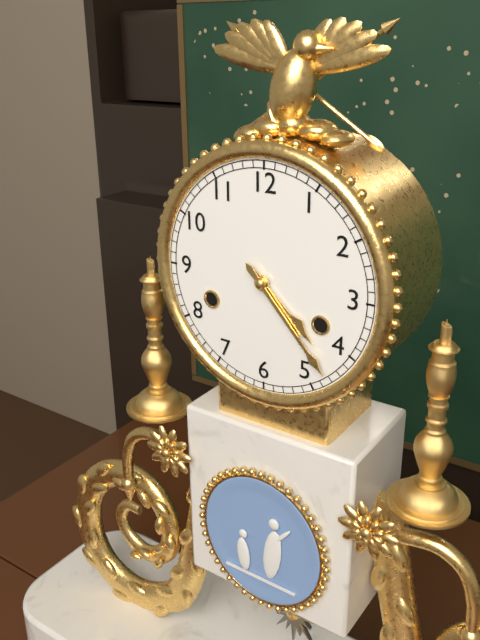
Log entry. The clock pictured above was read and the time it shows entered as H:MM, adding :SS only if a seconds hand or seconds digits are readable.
4:23
